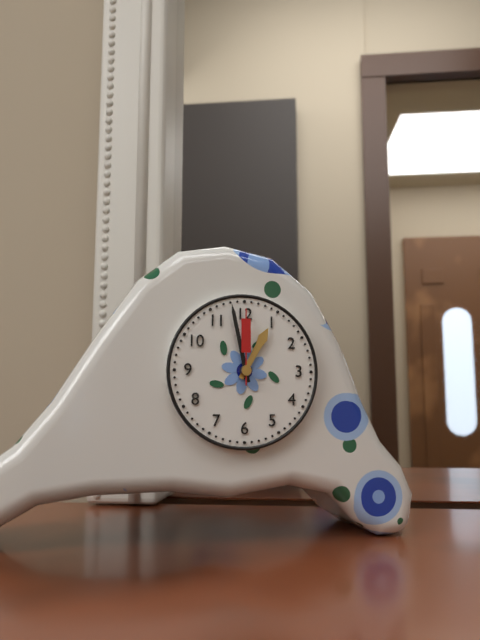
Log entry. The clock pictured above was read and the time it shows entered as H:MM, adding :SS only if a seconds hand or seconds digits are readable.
12:58:00
